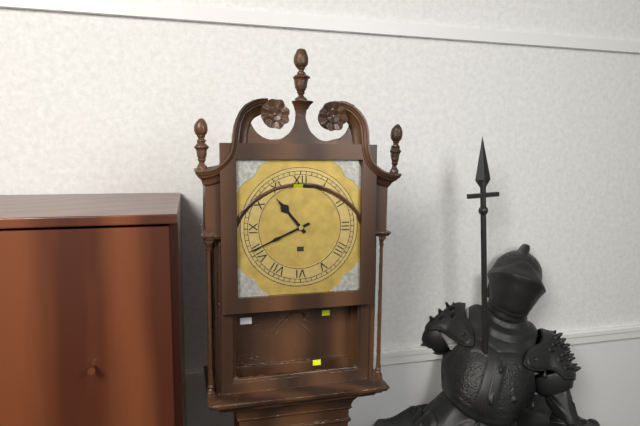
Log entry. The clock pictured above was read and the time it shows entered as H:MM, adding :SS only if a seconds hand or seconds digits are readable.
10:41
